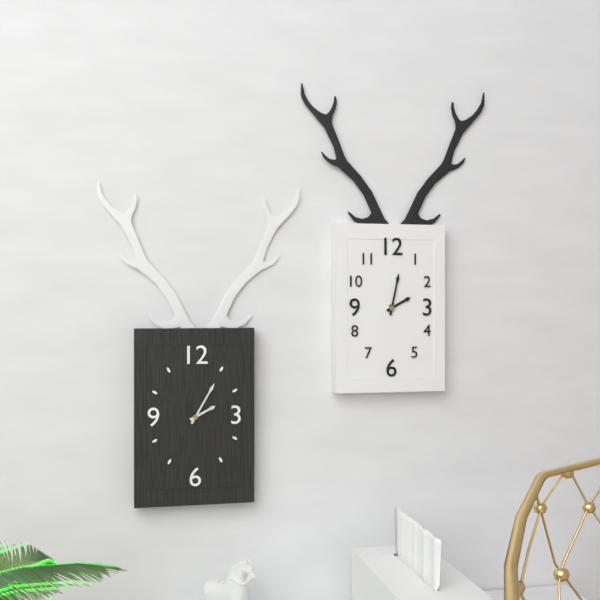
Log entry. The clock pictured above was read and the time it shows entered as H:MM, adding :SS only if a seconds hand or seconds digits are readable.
2:05
